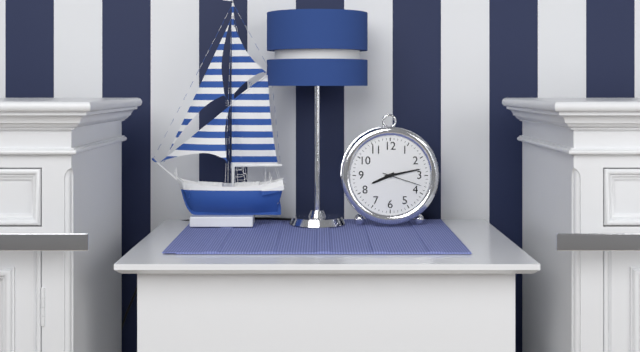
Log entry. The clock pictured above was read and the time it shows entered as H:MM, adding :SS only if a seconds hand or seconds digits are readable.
8:13
